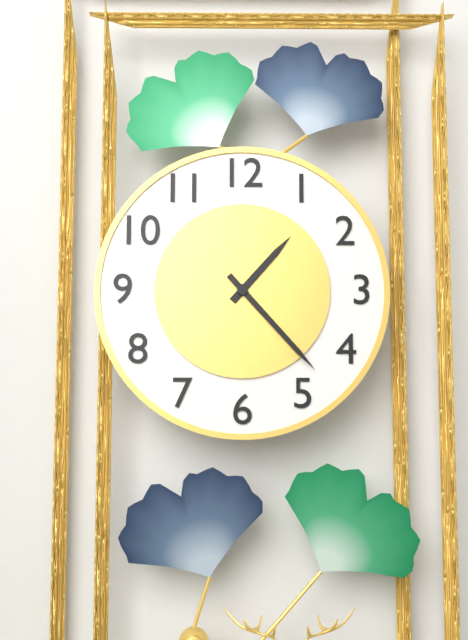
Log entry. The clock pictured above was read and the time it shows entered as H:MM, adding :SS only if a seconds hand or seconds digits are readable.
1:23
